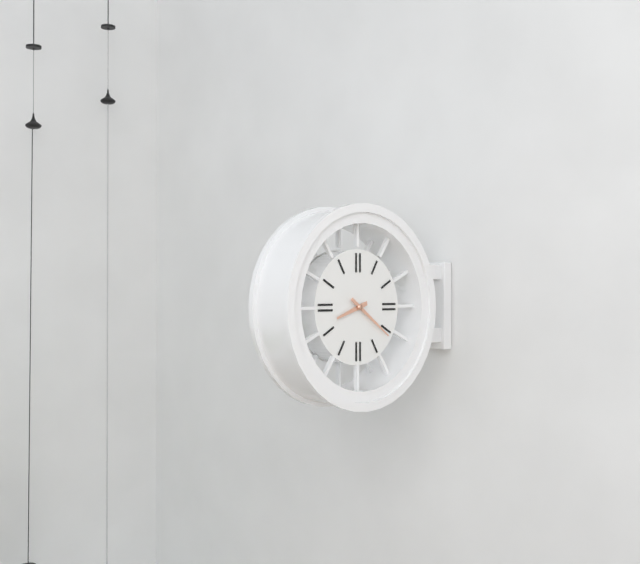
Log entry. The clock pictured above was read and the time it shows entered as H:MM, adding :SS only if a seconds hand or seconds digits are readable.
8:21
